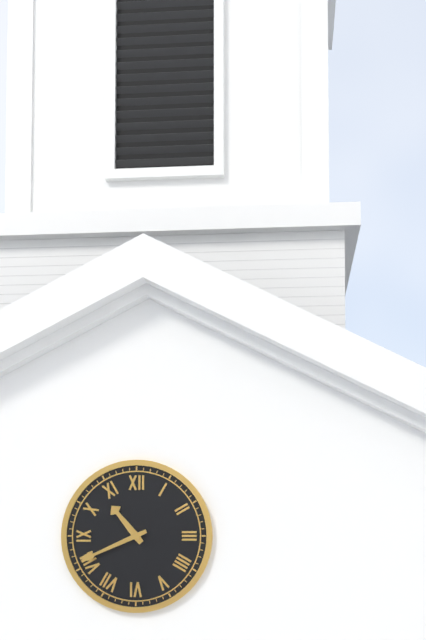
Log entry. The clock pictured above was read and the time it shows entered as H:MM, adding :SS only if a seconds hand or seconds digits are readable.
10:41
